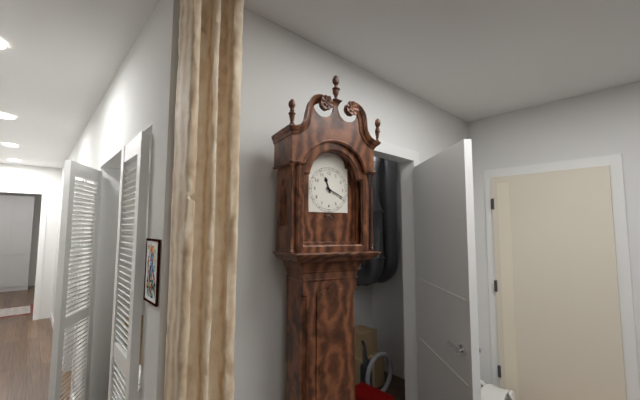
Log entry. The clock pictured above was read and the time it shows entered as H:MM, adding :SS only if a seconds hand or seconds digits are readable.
11:19
